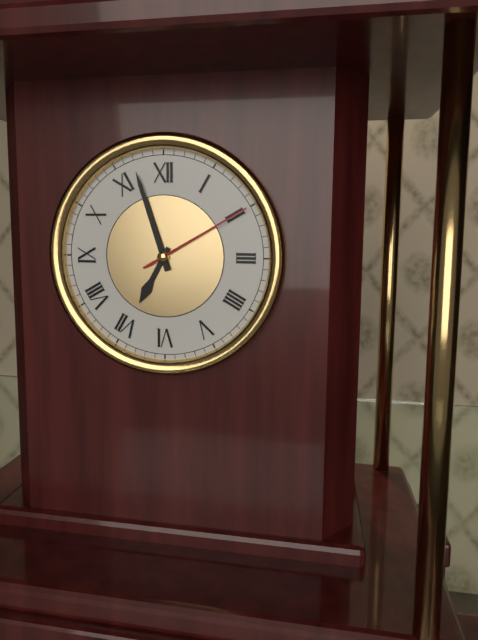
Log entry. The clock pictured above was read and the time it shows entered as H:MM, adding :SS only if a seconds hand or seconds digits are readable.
6:57:10
